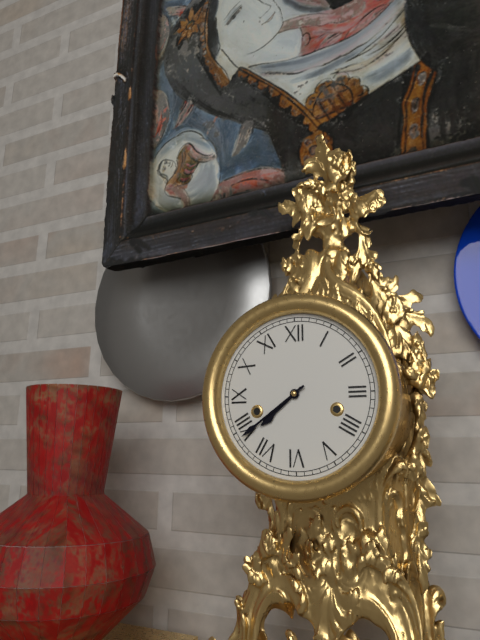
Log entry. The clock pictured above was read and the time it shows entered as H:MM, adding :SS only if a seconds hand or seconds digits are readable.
7:39
